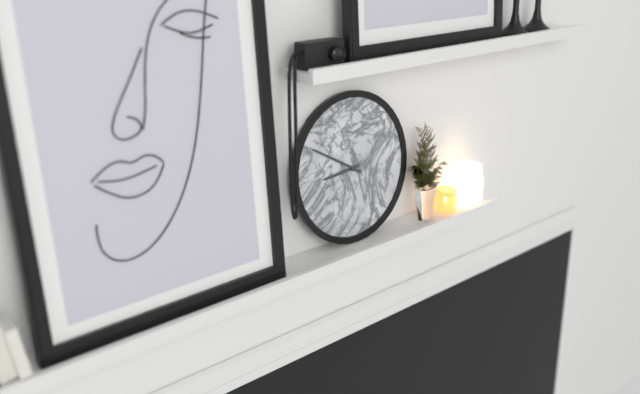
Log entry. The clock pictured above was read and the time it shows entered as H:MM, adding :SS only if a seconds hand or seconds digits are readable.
8:50
